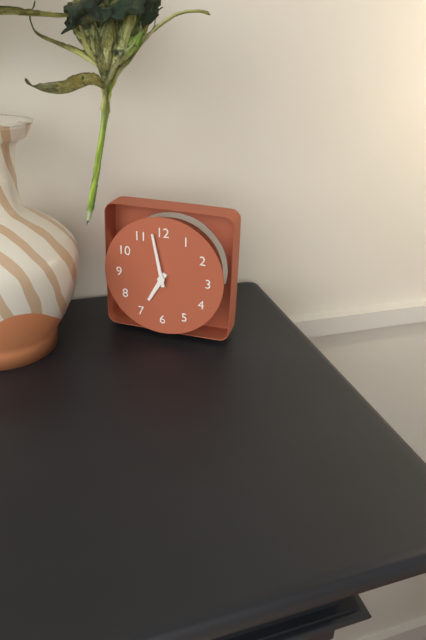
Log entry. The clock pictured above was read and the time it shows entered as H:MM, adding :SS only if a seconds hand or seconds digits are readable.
6:58
